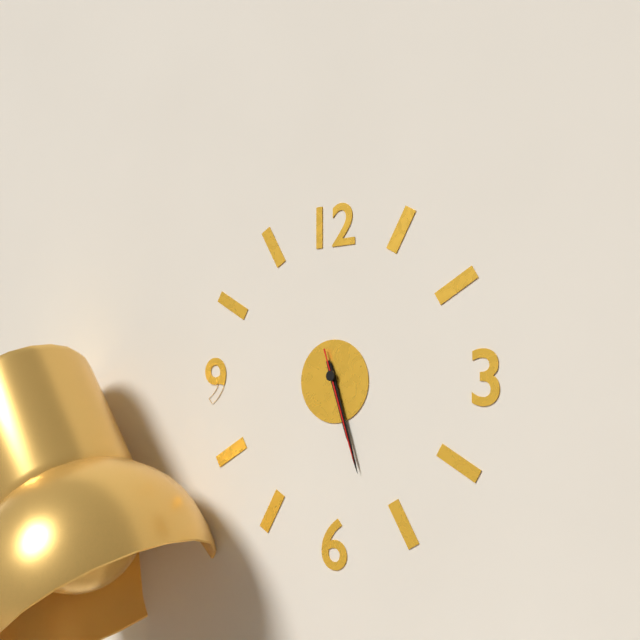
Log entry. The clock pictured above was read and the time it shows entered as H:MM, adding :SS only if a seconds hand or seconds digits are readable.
5:27:27
